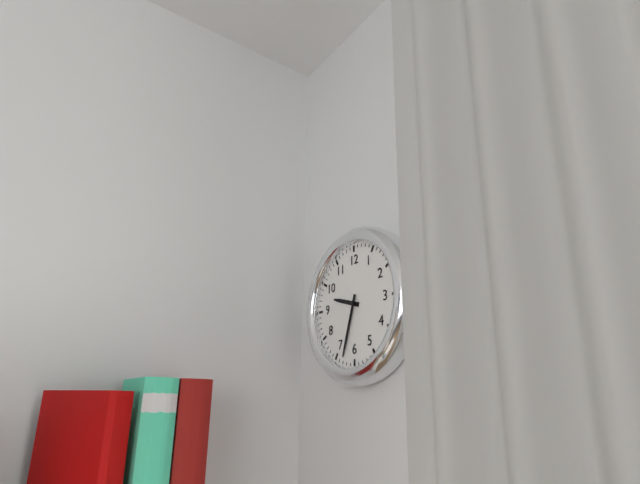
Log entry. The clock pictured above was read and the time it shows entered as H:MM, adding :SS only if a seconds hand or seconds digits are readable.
9:33
